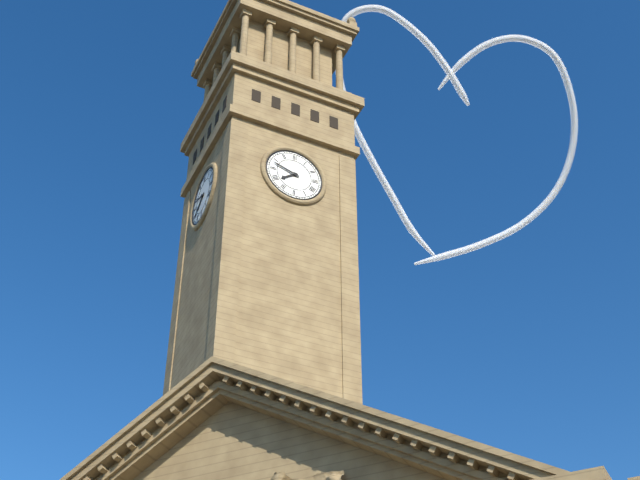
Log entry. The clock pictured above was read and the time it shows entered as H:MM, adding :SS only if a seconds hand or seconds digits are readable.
7:48
